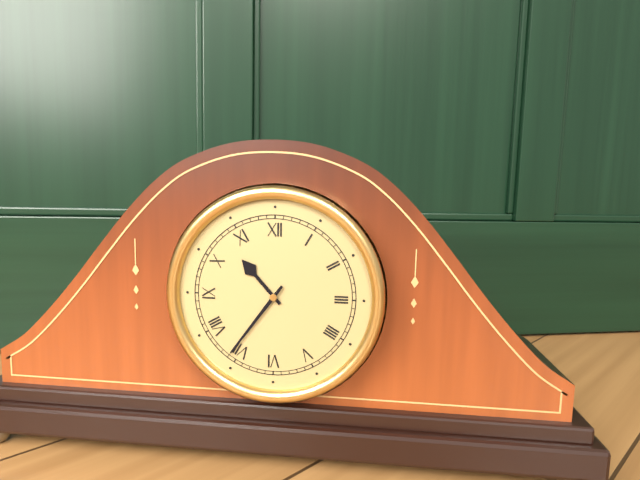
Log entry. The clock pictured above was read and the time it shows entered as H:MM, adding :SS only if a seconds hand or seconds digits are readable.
10:36
